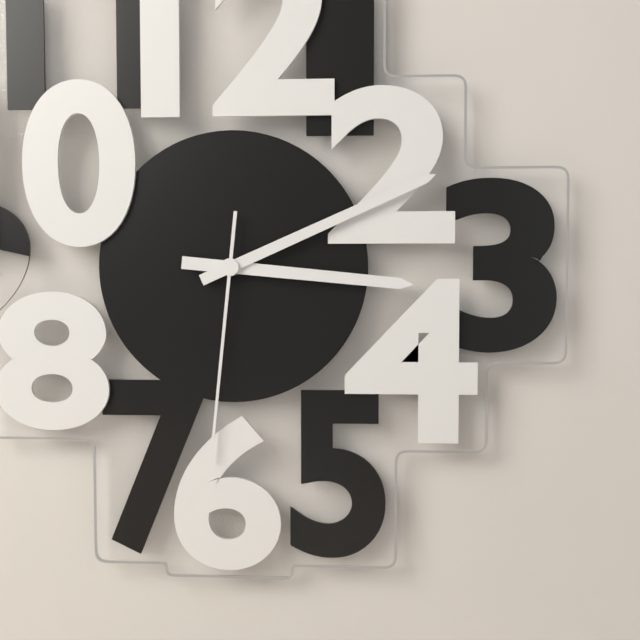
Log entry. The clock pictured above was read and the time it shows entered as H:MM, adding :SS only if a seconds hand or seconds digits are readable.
3:11:31
